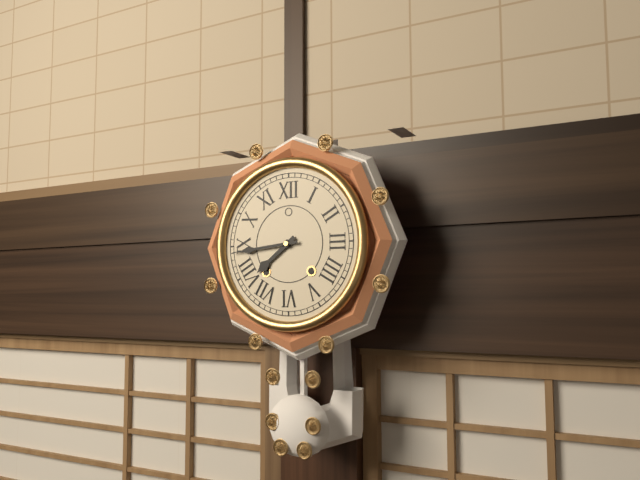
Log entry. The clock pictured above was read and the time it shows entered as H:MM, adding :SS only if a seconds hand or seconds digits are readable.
7:44
